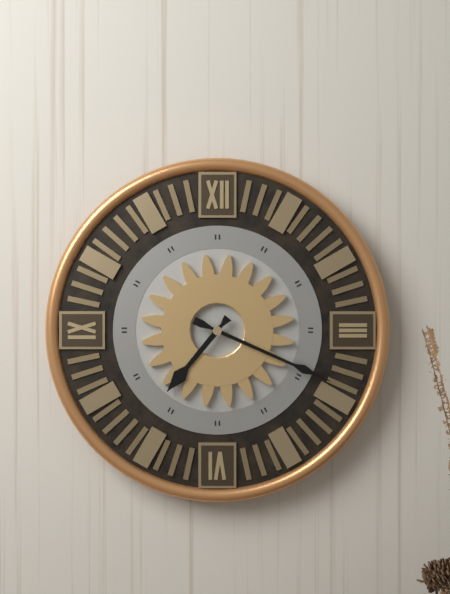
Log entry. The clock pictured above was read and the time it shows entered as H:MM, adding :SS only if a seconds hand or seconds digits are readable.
7:19
